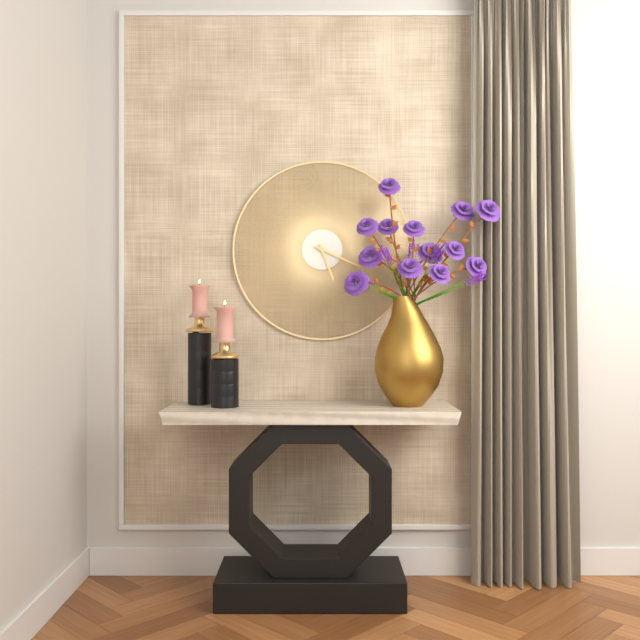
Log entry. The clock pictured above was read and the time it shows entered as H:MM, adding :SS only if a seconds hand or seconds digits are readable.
5:19
